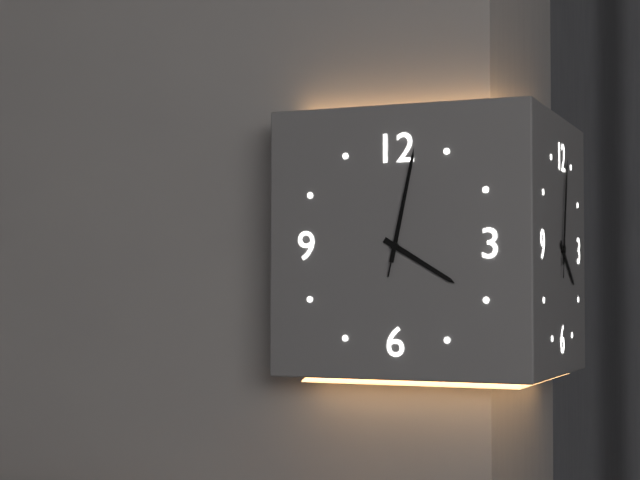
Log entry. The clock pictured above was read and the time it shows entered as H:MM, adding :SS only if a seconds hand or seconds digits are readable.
4:02:02
